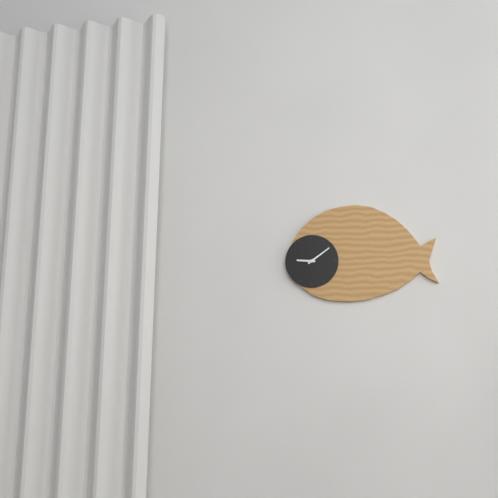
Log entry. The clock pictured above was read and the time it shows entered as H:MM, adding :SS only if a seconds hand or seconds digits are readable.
9:09
